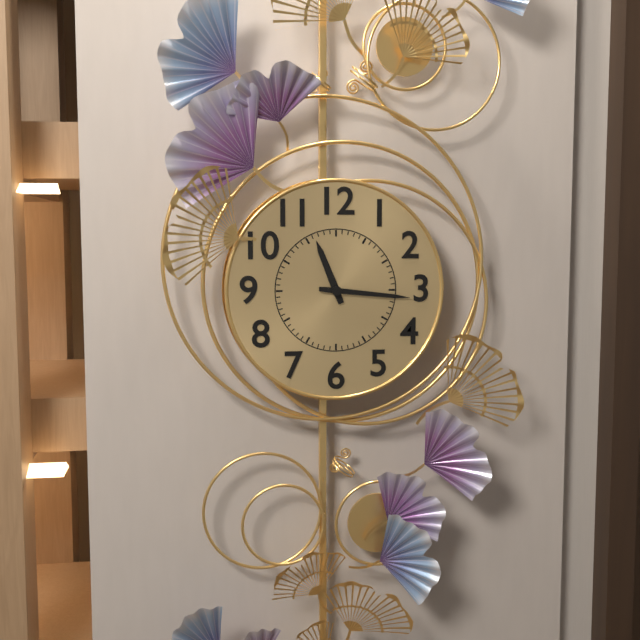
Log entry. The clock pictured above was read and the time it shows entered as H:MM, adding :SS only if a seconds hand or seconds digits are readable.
11:16
